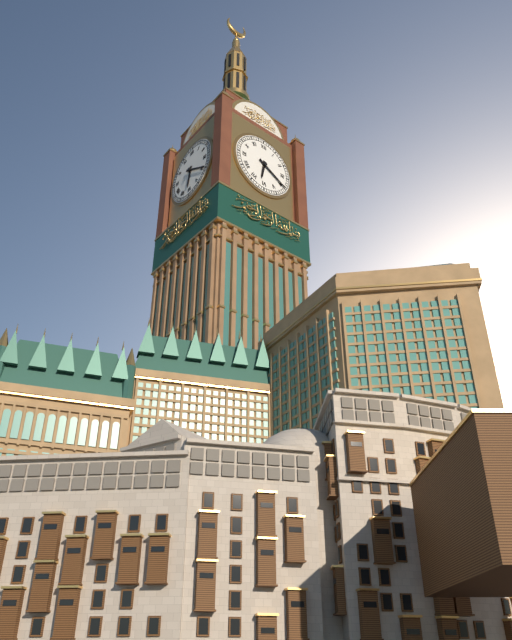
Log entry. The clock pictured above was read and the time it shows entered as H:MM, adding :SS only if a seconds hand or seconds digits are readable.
6:20
